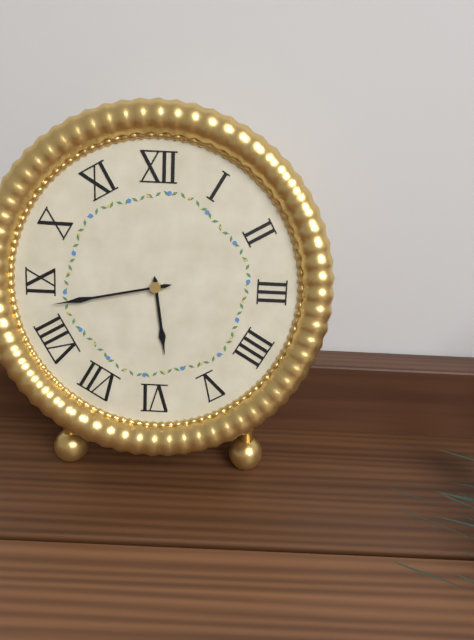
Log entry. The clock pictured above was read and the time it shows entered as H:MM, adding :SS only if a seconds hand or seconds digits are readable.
5:43
